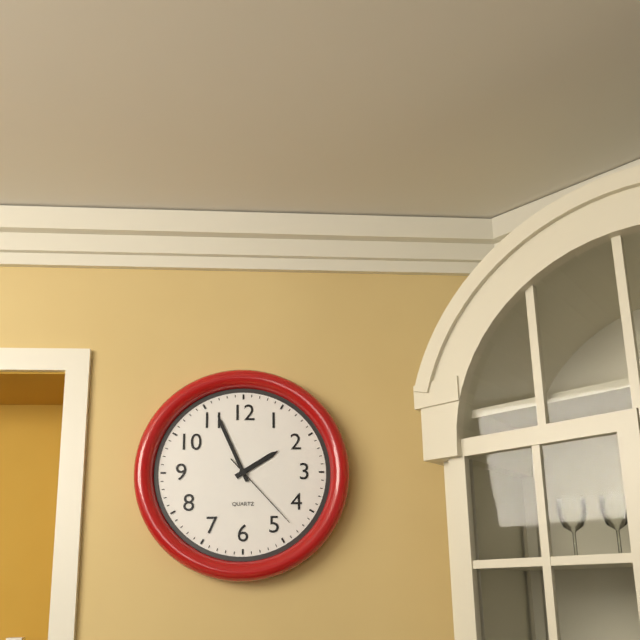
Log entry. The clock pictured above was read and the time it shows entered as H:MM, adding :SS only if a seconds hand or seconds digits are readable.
1:56:23
